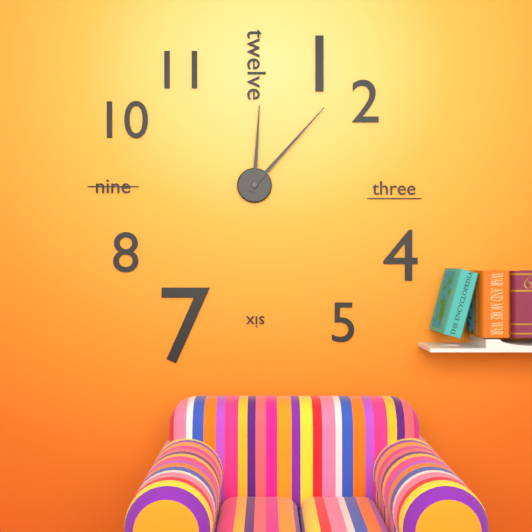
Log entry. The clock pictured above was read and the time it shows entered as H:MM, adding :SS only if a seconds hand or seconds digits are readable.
12:07
